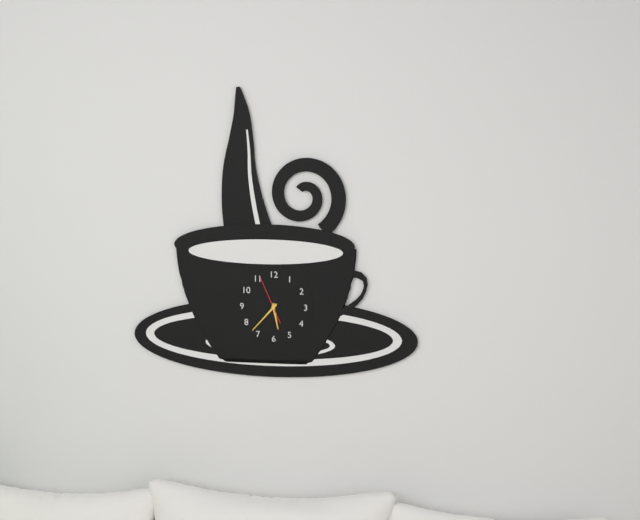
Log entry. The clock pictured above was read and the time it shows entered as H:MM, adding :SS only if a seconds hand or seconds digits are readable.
5:37
